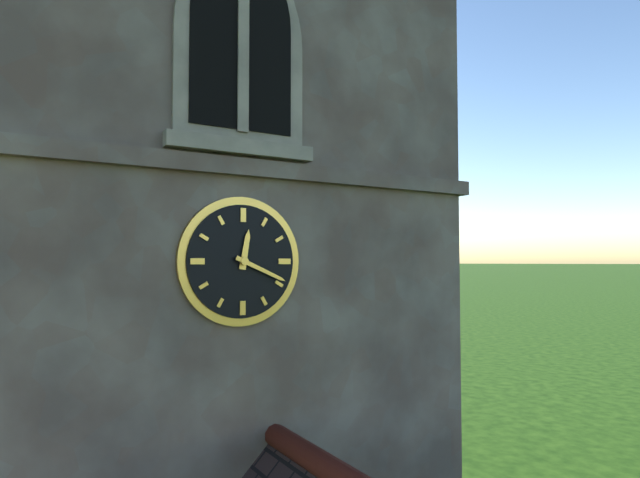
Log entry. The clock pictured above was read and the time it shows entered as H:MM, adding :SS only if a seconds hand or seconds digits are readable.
12:19
